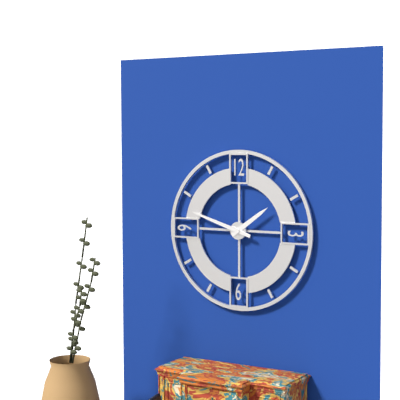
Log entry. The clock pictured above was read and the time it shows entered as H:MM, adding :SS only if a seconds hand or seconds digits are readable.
1:48
